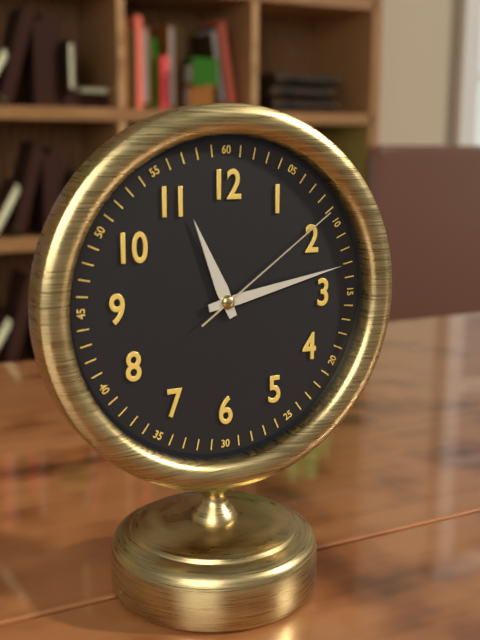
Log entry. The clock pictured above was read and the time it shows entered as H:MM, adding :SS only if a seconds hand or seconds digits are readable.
11:13:09
